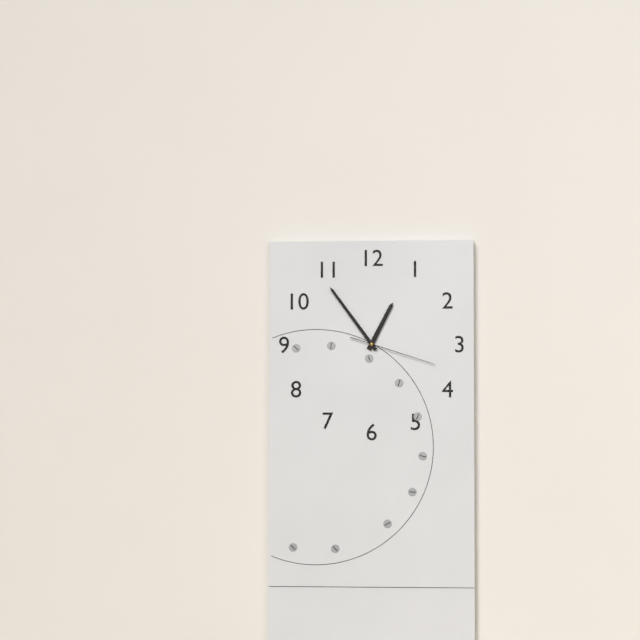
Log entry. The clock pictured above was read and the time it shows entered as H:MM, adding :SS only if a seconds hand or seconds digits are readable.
12:54:18
